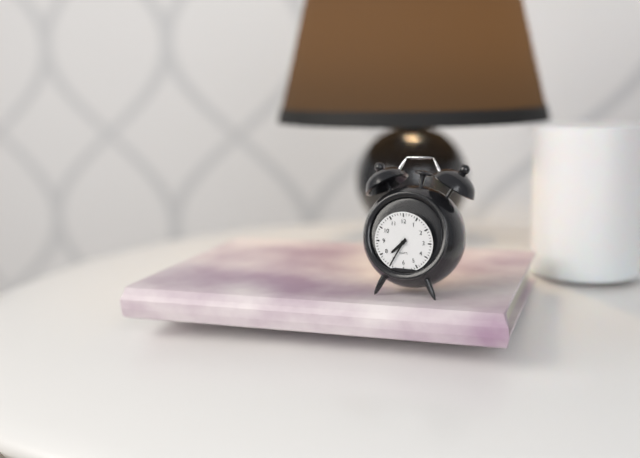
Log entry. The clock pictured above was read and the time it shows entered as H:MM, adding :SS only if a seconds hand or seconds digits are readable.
7:35
